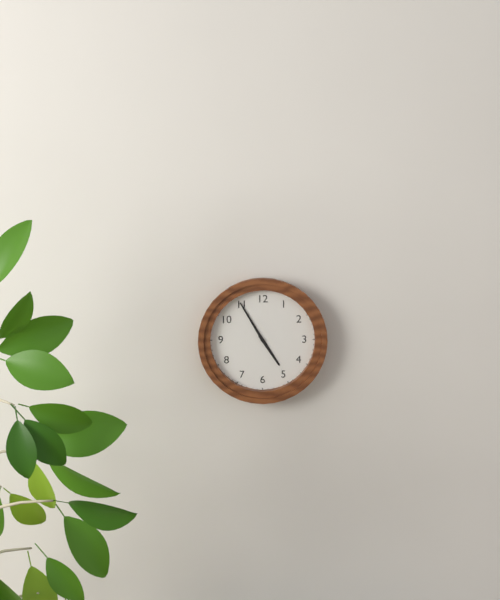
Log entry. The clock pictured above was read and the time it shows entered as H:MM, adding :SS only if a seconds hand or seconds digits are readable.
4:55
